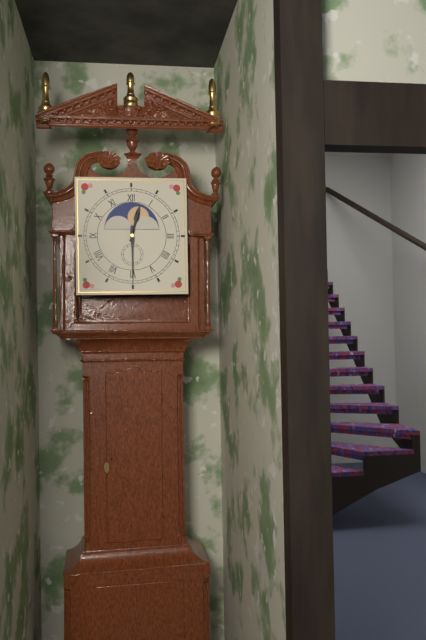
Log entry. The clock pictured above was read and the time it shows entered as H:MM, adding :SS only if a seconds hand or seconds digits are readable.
12:30
